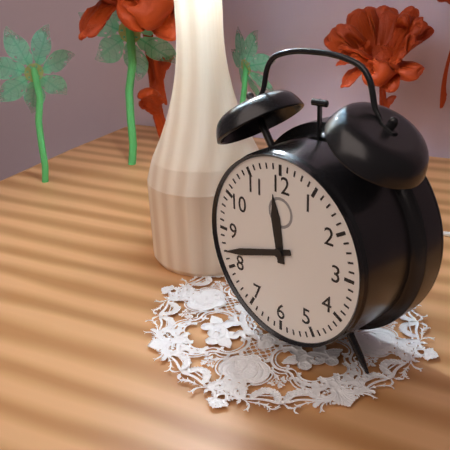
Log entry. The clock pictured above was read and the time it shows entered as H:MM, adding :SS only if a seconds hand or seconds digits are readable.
11:42
